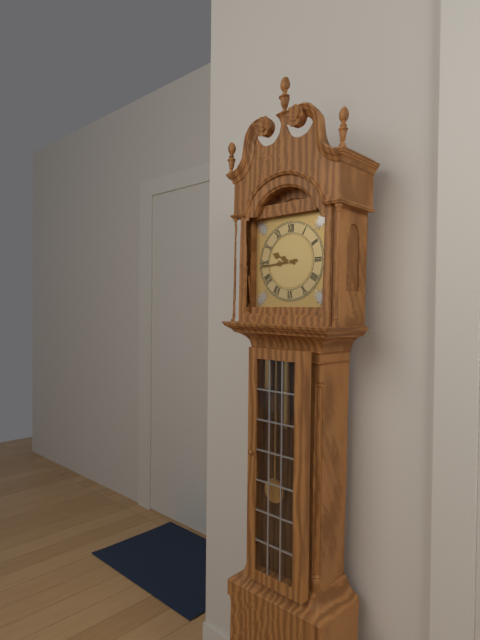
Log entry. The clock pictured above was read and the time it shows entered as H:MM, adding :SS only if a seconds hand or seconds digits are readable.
9:44
